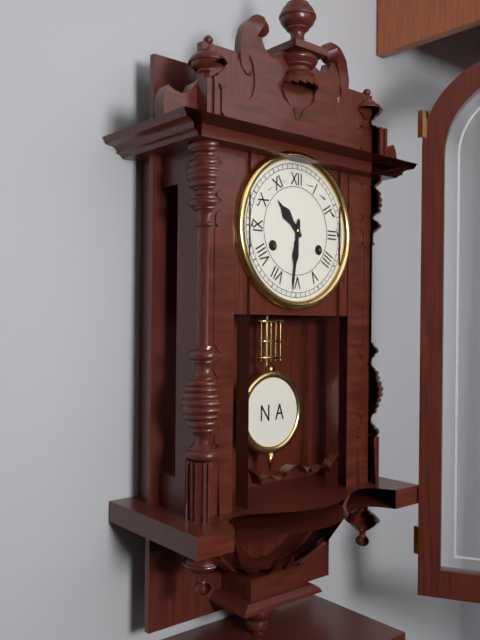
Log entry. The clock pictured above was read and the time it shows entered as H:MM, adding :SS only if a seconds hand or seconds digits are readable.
10:31
